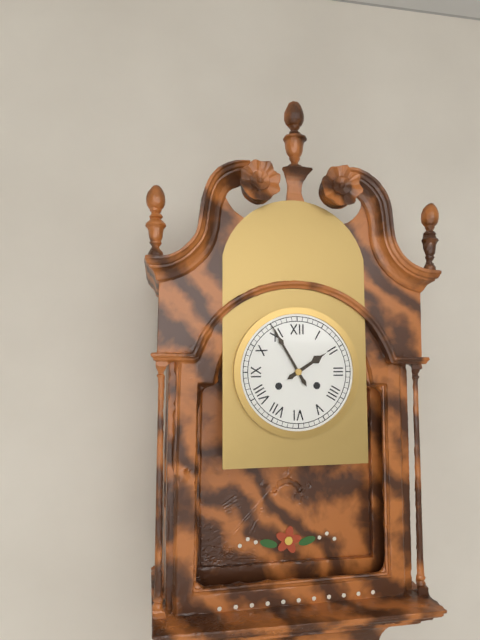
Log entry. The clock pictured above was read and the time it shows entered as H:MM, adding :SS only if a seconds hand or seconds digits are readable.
1:55
